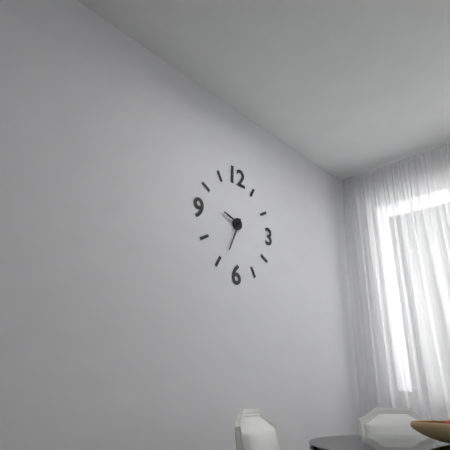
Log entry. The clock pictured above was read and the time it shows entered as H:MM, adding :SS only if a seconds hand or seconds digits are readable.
9:34
